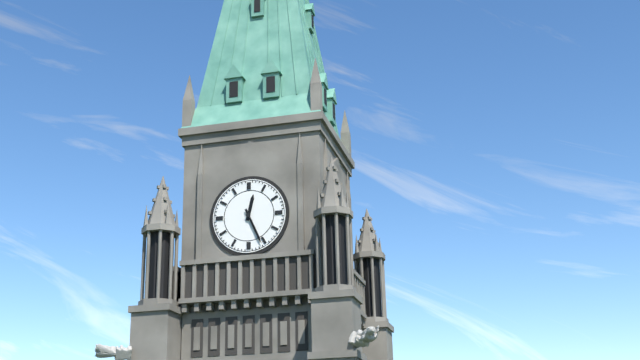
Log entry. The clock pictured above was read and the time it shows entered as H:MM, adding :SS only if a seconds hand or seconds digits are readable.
12:26
